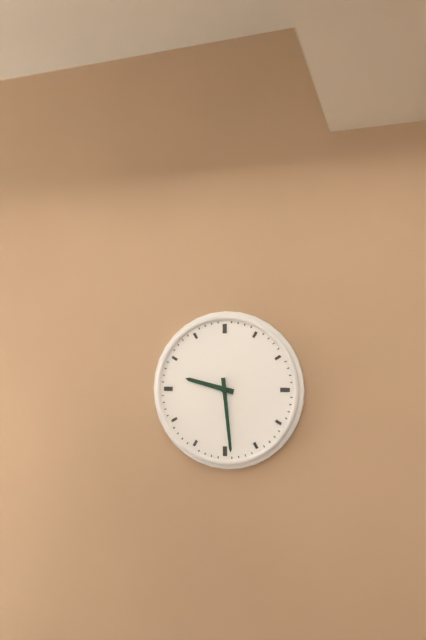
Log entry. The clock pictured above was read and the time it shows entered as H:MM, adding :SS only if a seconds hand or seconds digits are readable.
9:29
